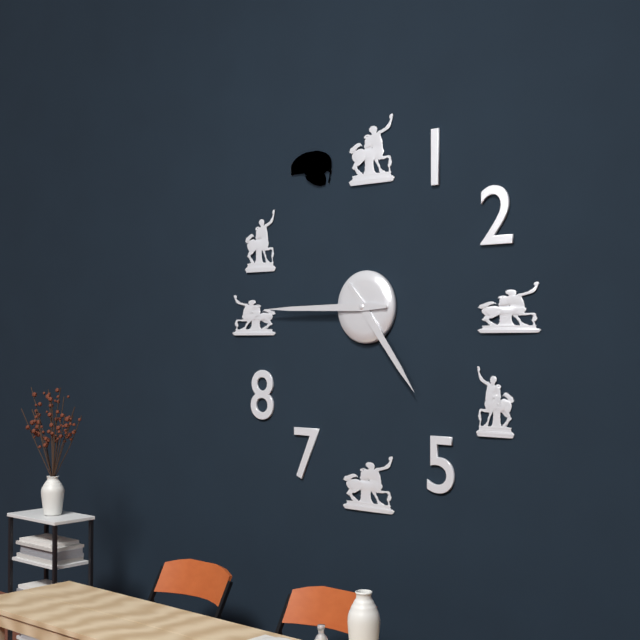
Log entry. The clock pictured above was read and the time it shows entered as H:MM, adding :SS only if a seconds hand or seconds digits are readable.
4:45
